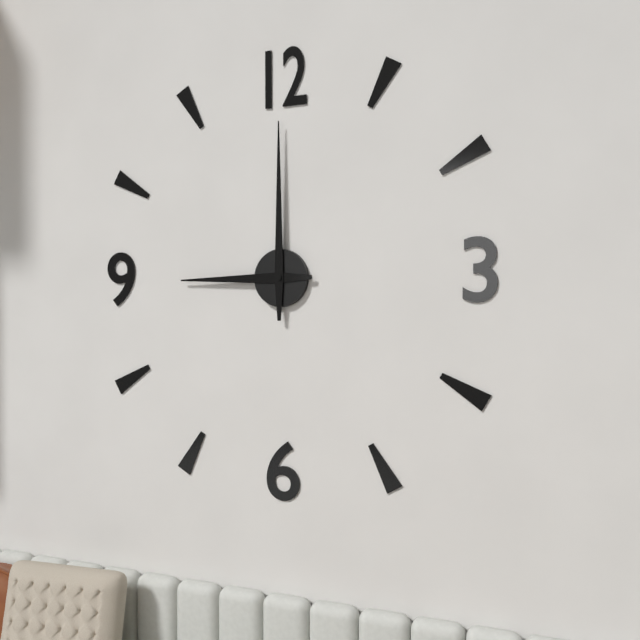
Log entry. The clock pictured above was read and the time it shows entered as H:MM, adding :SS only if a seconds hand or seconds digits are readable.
9:00
